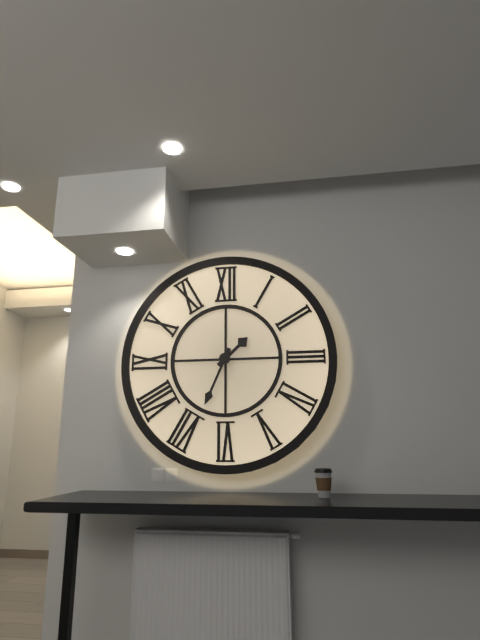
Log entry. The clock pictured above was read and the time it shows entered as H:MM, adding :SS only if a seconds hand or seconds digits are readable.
1:34
